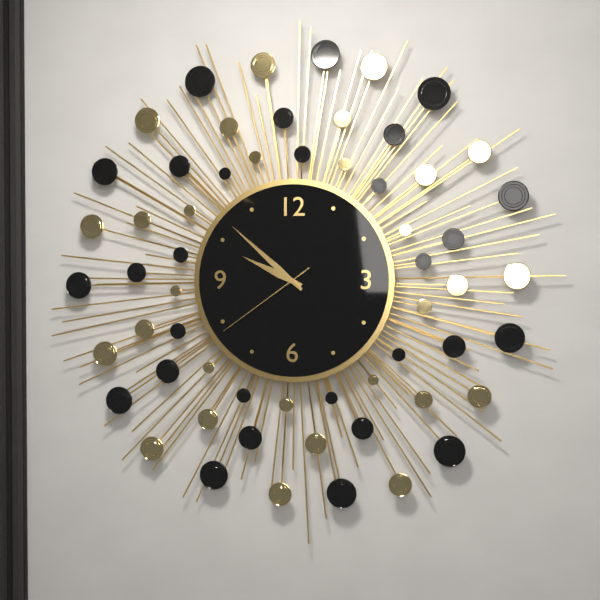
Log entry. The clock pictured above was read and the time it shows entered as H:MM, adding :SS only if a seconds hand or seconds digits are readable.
9:52:39
